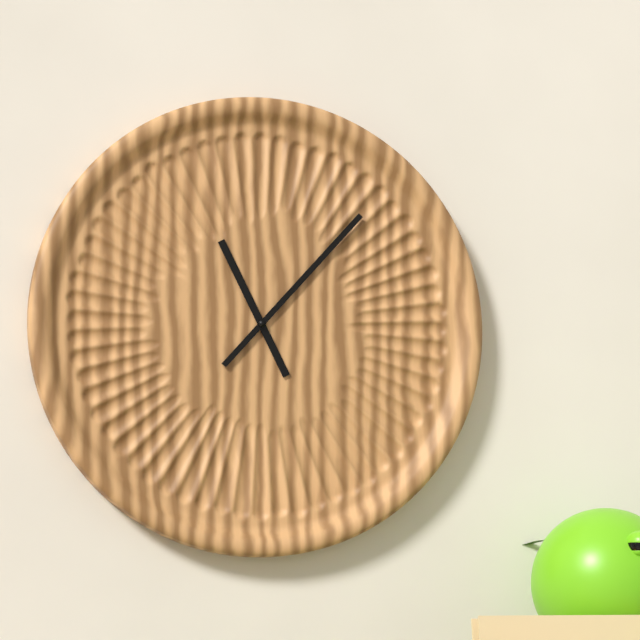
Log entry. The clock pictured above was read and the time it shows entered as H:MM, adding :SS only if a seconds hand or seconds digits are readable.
11:07
